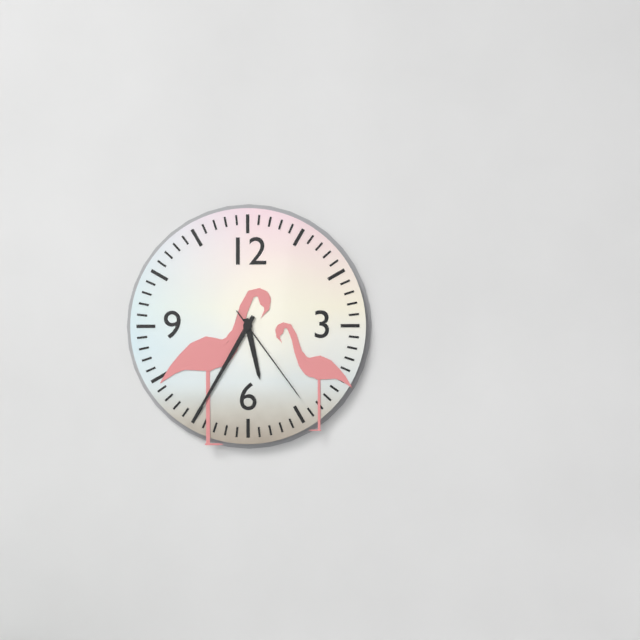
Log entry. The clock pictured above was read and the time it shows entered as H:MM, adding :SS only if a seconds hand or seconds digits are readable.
5:35:24
